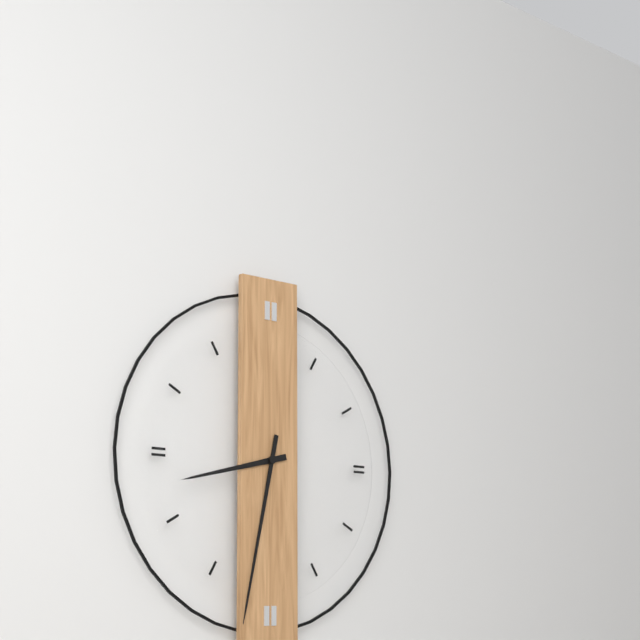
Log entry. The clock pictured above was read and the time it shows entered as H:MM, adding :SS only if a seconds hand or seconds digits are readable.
8:32
